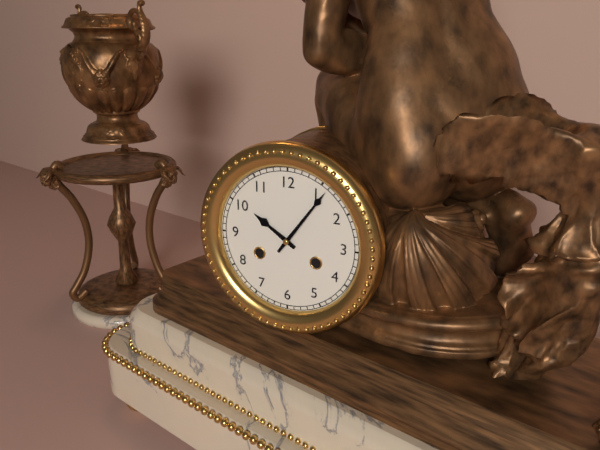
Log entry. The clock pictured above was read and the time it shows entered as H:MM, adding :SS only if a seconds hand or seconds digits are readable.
10:06
